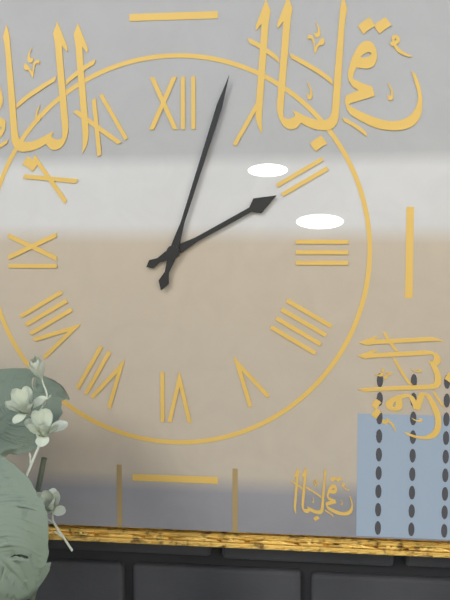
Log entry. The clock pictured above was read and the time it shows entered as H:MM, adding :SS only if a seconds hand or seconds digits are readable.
2:03
